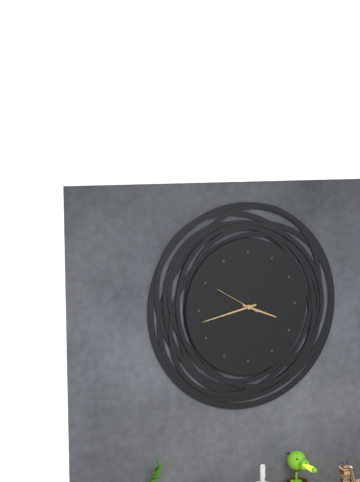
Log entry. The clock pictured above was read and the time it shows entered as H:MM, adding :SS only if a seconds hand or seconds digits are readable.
3:43
